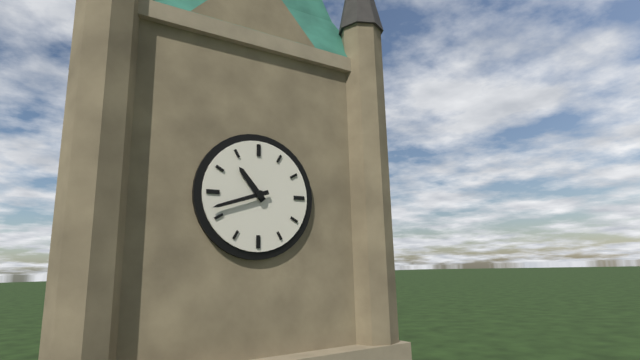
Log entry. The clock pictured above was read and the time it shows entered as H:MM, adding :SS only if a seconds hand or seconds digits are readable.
10:42
